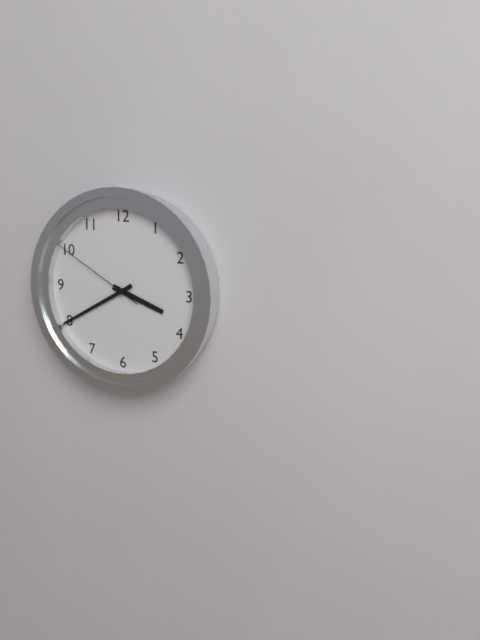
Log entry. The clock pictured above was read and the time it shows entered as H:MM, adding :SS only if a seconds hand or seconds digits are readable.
3:40:50
